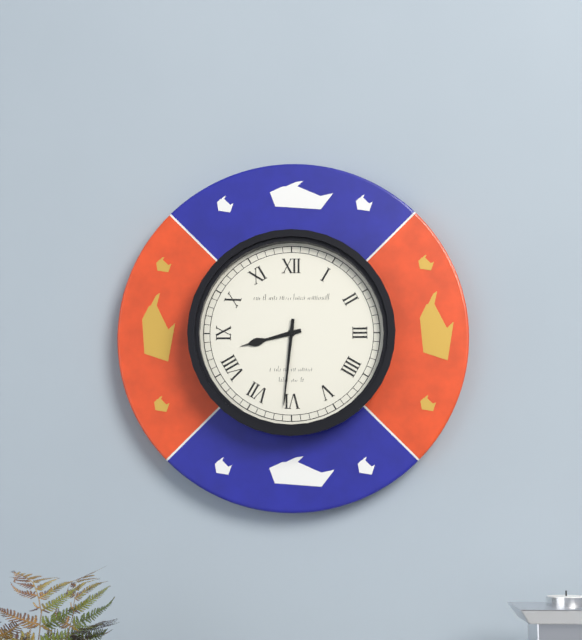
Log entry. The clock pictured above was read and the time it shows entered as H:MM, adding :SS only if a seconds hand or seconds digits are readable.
8:31
